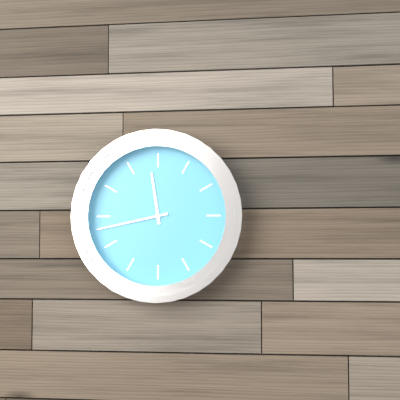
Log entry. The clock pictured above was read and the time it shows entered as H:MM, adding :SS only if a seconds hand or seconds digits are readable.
11:43
